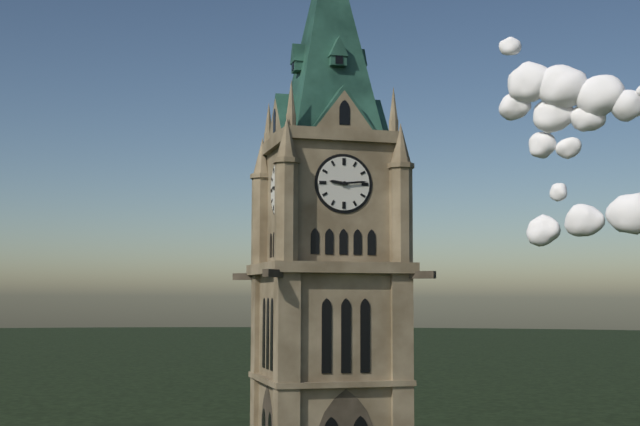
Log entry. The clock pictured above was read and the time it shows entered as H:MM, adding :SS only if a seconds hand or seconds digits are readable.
9:14
